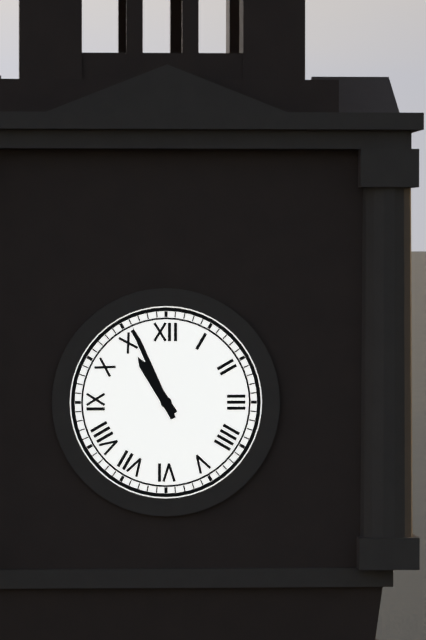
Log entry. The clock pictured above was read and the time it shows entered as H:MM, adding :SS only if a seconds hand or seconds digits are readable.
10:56
